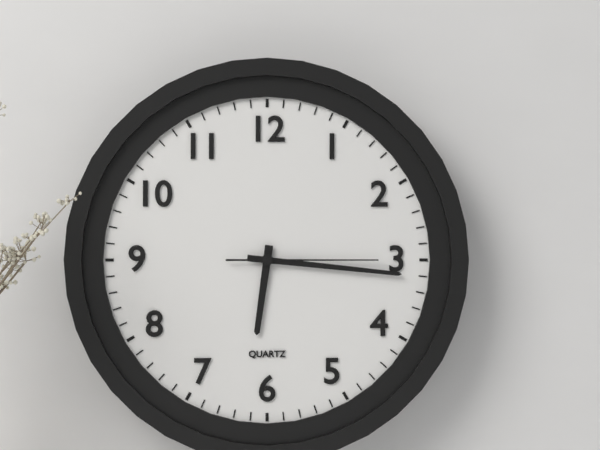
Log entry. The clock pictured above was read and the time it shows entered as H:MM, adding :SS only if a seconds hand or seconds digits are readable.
6:16:15
